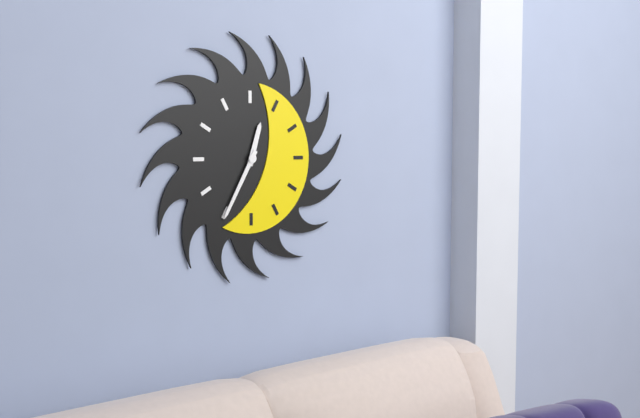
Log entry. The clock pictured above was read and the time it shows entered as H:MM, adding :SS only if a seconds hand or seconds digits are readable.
12:35
